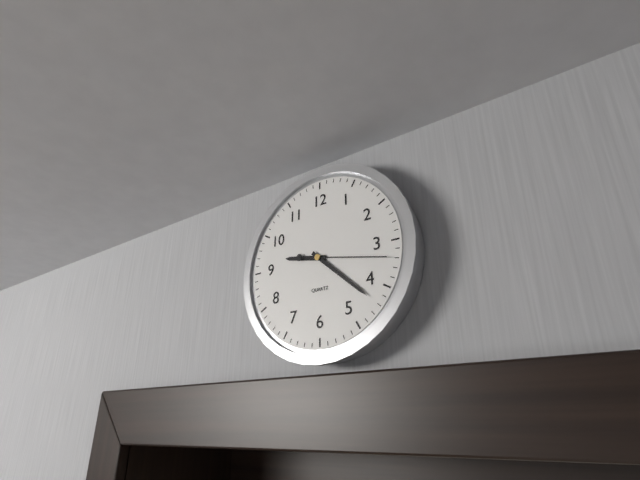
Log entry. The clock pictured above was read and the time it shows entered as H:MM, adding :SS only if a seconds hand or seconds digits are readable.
9:22:17
